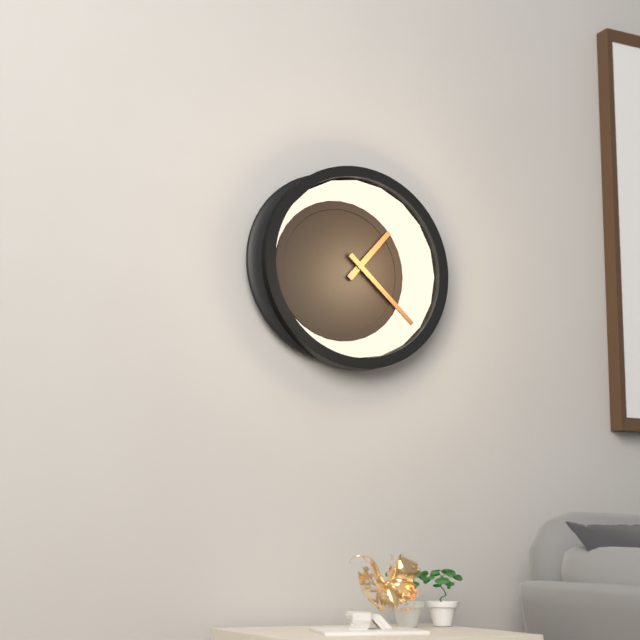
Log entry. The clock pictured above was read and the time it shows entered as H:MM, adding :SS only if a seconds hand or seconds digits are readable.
1:22
